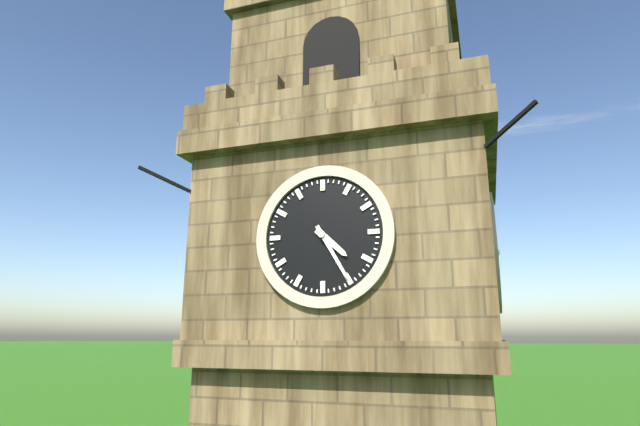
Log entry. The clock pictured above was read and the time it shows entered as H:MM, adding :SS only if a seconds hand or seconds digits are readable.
4:25
